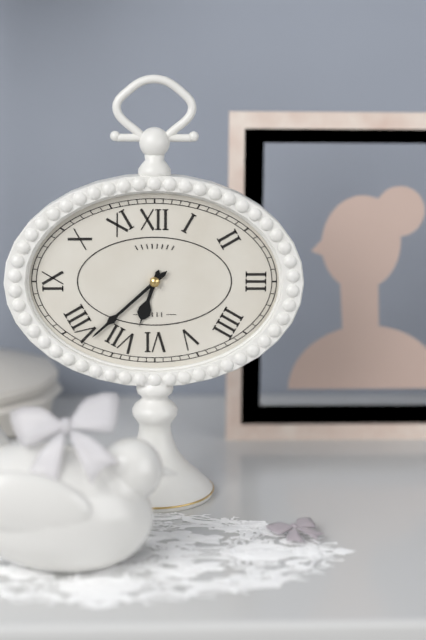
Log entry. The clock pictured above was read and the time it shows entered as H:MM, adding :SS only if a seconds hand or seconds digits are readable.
6:38
